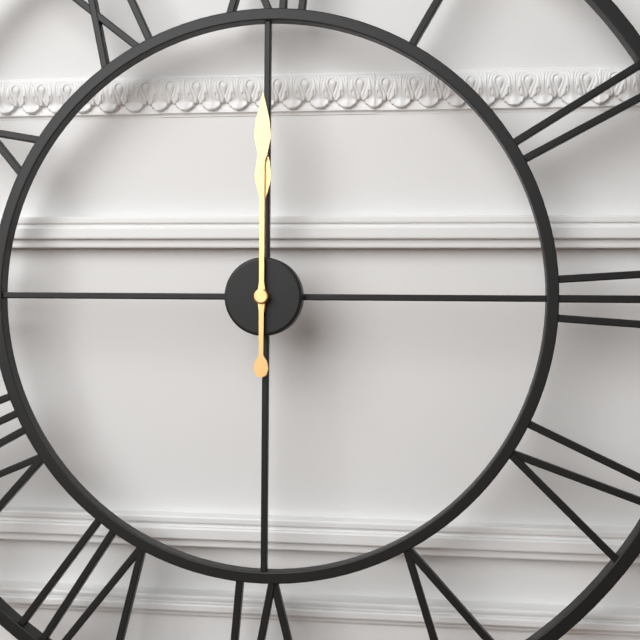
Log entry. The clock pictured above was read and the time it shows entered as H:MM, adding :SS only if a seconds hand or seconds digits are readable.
12:00
